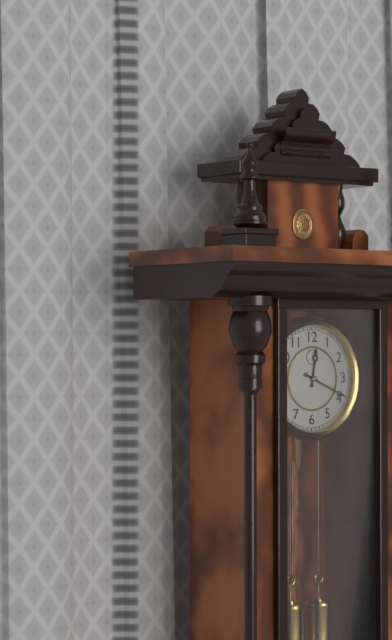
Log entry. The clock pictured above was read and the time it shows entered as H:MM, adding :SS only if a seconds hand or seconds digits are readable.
12:19
